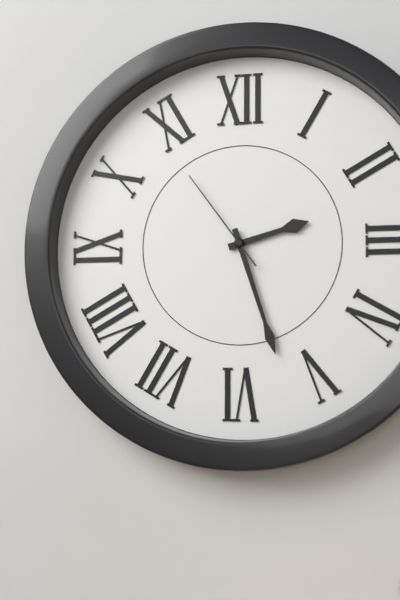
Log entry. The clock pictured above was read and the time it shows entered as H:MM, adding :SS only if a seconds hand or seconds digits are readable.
2:27:54
